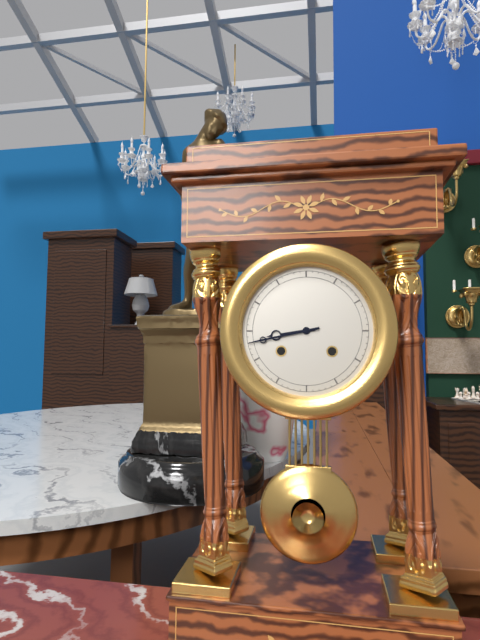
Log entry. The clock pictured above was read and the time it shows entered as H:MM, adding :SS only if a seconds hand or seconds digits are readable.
8:43
